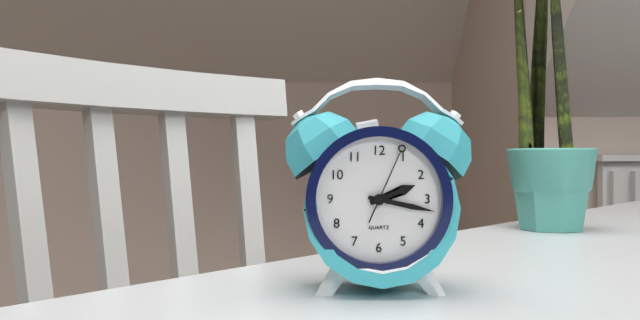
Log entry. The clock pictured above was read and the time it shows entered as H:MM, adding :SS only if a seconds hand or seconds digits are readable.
2:17:04
